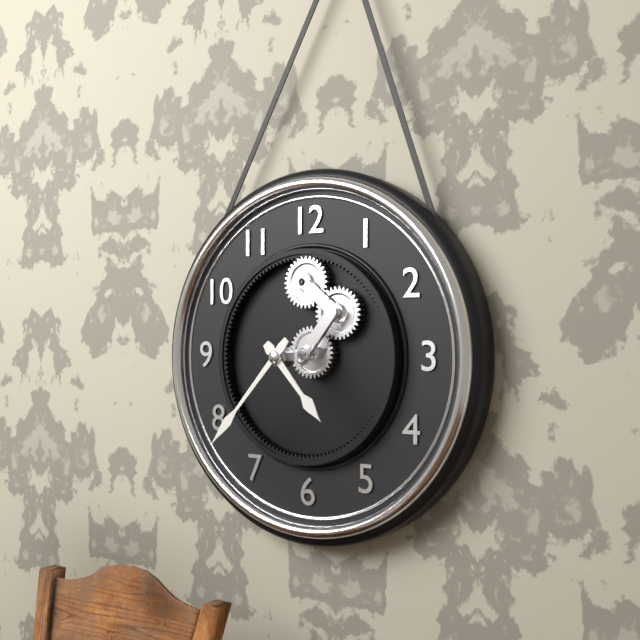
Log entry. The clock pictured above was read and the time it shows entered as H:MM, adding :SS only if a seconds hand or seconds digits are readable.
4:37
